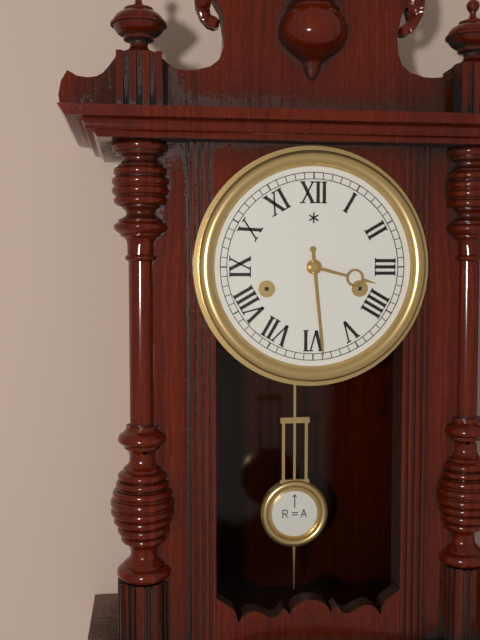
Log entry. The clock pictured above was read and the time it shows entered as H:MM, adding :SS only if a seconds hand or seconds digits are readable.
3:29
